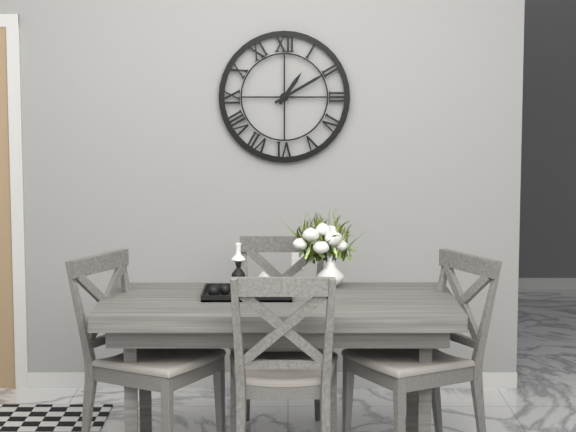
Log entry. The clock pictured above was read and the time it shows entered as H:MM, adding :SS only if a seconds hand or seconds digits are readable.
1:10
